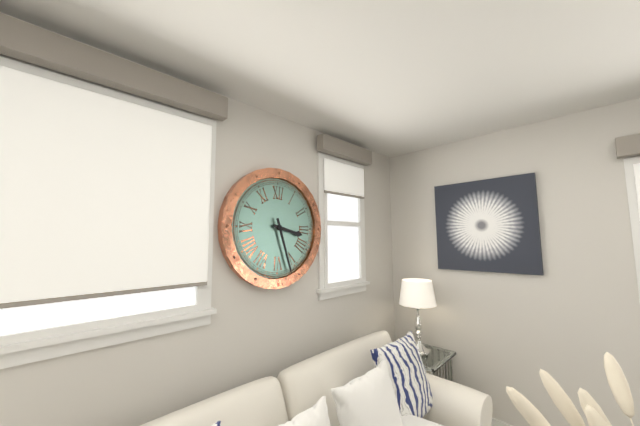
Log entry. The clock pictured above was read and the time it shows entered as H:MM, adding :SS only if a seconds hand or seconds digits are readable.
3:27
